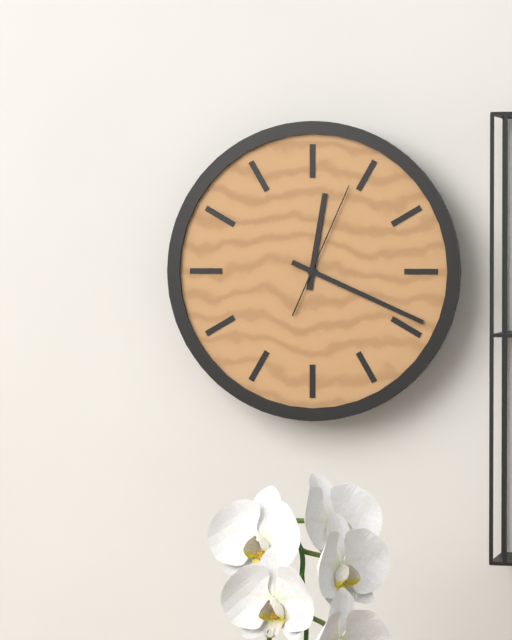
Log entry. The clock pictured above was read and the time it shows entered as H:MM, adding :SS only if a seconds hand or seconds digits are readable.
12:19:04
